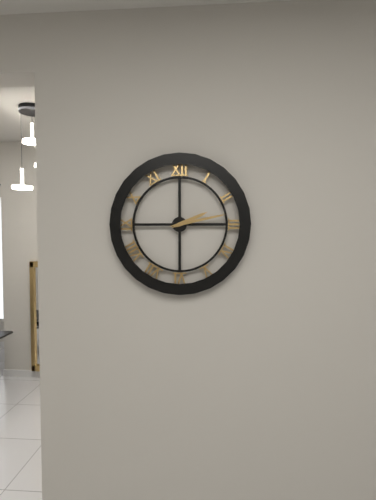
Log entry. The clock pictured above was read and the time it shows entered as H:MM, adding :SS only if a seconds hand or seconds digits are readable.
2:13
